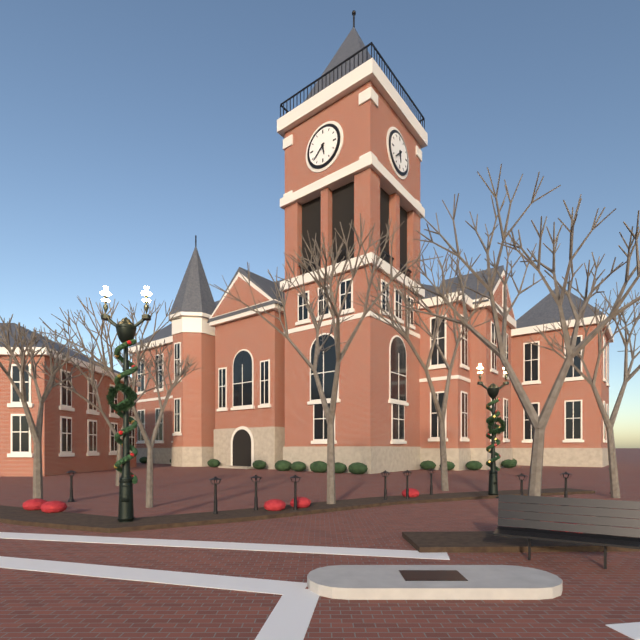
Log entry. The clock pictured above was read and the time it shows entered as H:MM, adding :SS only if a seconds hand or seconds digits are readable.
5:38
